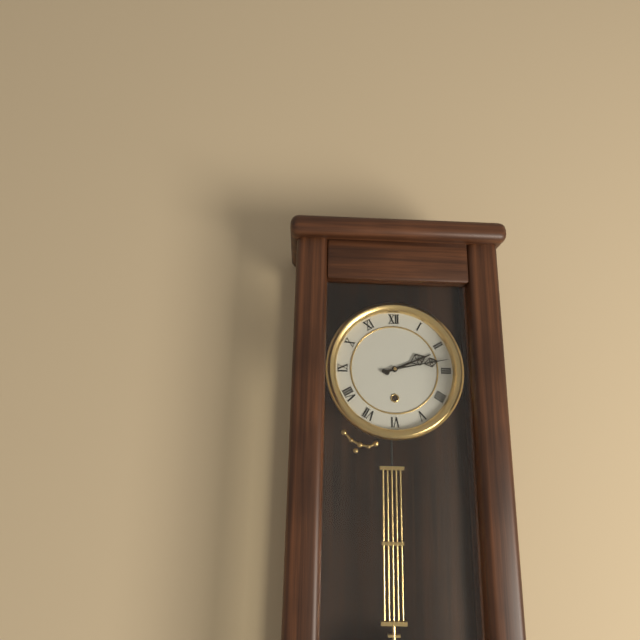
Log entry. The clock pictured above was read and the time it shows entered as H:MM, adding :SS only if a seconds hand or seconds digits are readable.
2:13
